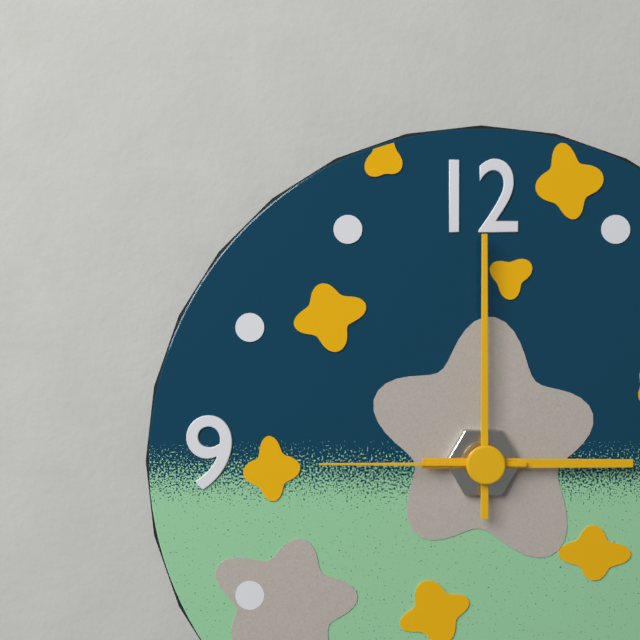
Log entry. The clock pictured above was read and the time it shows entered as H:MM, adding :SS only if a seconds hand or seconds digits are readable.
3:00:45
